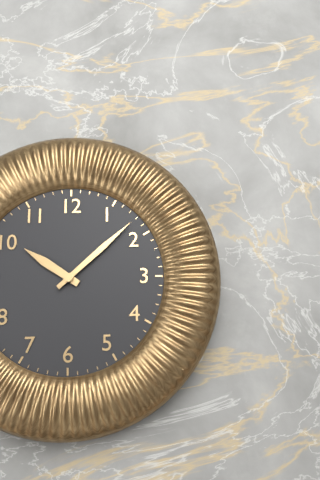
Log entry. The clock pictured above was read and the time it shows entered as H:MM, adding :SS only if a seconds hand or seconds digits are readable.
10:08
